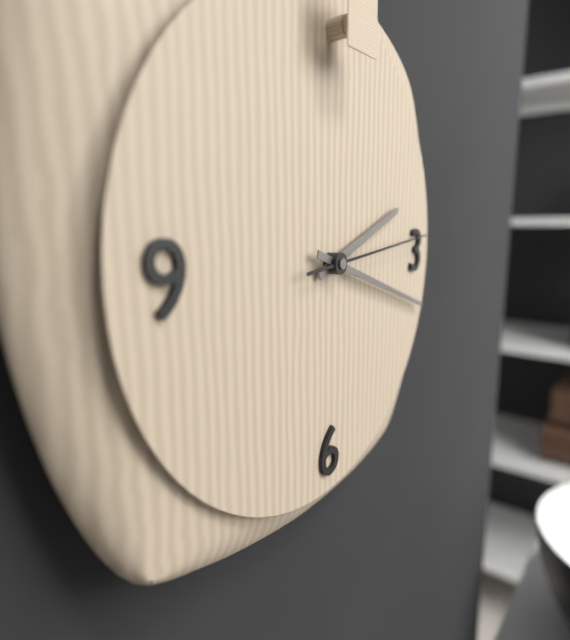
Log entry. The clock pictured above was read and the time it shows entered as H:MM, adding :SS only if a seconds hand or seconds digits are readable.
2:18:14
